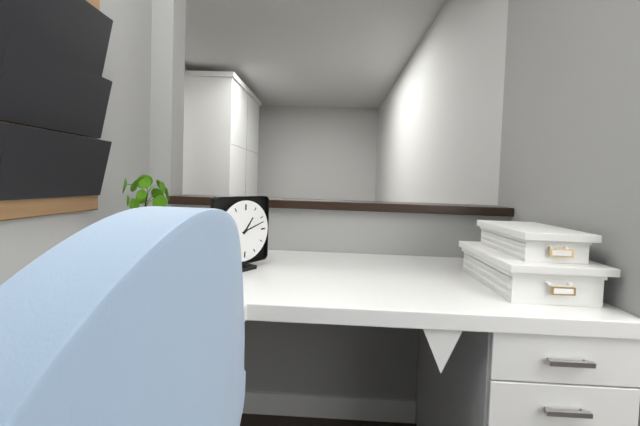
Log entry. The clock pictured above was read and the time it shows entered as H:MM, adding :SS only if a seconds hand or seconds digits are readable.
1:12
